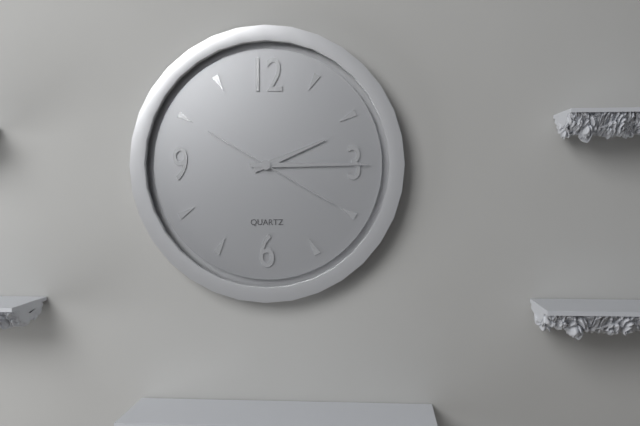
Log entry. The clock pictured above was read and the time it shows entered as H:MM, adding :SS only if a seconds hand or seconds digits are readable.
2:15:20
